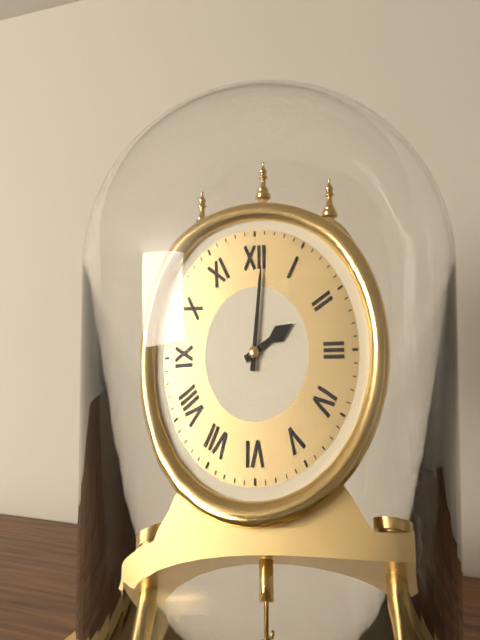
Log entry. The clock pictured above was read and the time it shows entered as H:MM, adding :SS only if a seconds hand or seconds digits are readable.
2:01
